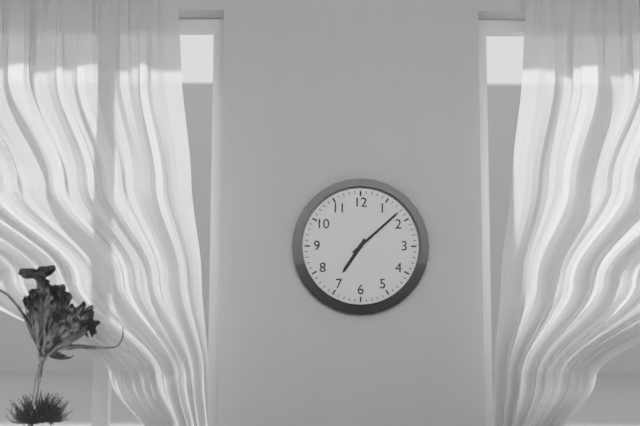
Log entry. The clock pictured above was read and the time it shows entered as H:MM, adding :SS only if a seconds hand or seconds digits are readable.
7:08
